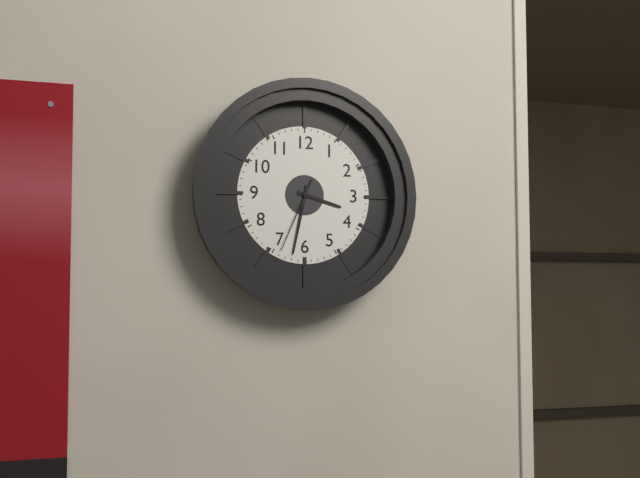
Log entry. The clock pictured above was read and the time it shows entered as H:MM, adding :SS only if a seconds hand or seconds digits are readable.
3:32:34
